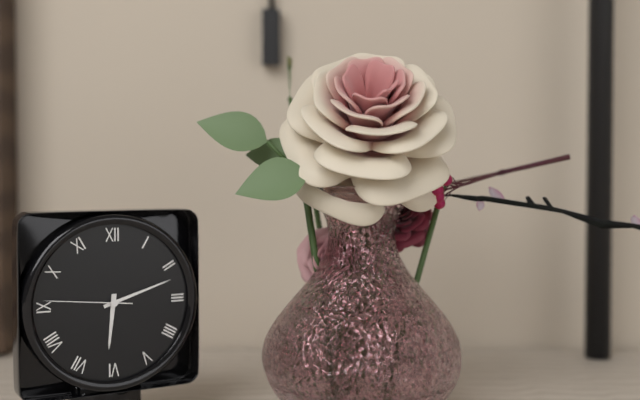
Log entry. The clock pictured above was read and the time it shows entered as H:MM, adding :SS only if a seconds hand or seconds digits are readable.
6:12:46
